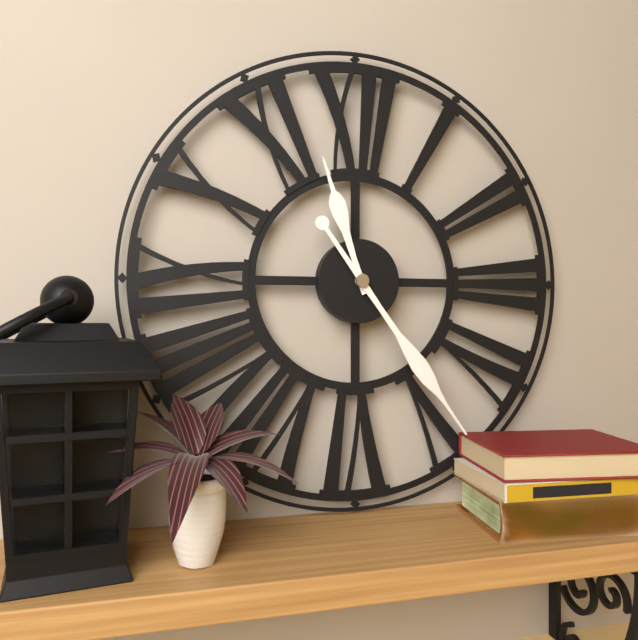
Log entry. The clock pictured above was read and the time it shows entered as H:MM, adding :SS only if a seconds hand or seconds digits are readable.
11:24
